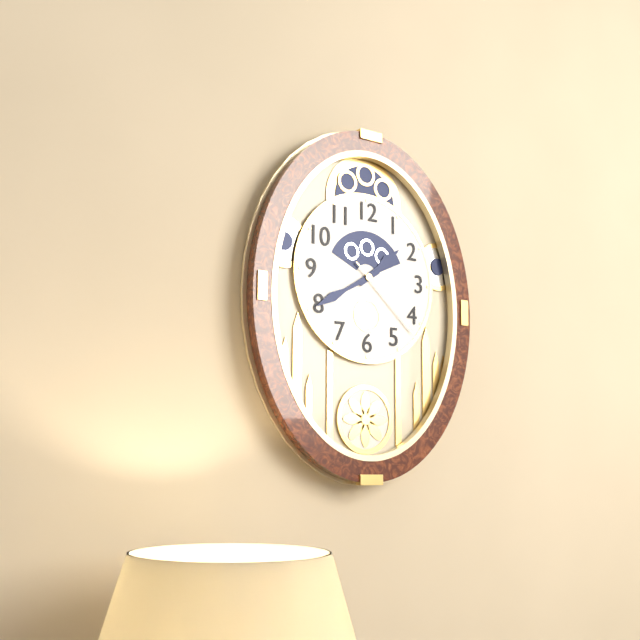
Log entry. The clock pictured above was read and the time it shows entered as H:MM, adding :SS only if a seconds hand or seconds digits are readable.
1:40:22
